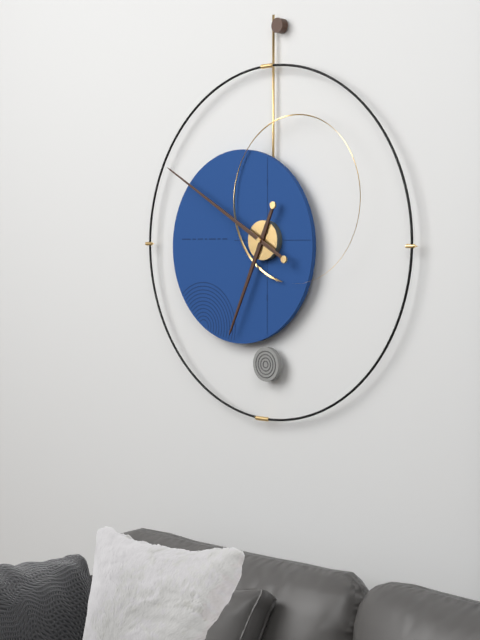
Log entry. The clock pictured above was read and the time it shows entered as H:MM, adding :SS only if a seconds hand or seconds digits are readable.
6:50
